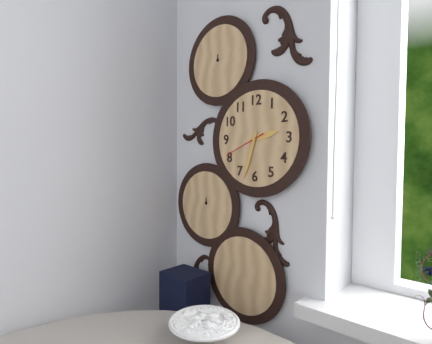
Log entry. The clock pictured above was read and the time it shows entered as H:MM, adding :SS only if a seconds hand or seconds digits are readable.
2:33
